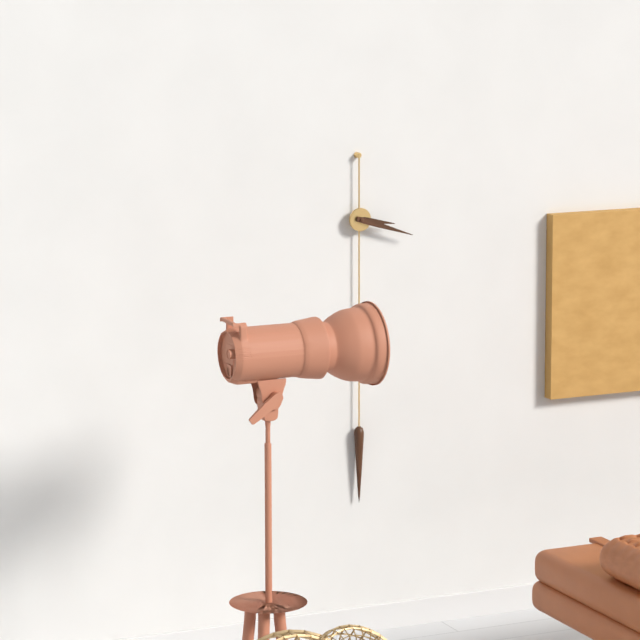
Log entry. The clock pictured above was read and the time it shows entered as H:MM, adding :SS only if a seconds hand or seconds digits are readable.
3:18
